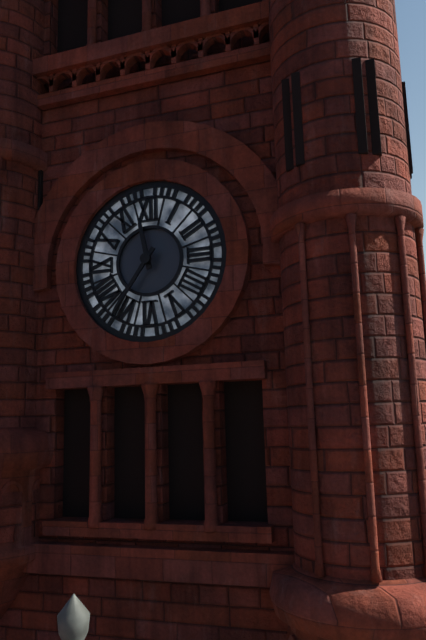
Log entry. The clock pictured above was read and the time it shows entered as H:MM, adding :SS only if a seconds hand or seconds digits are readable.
11:36
